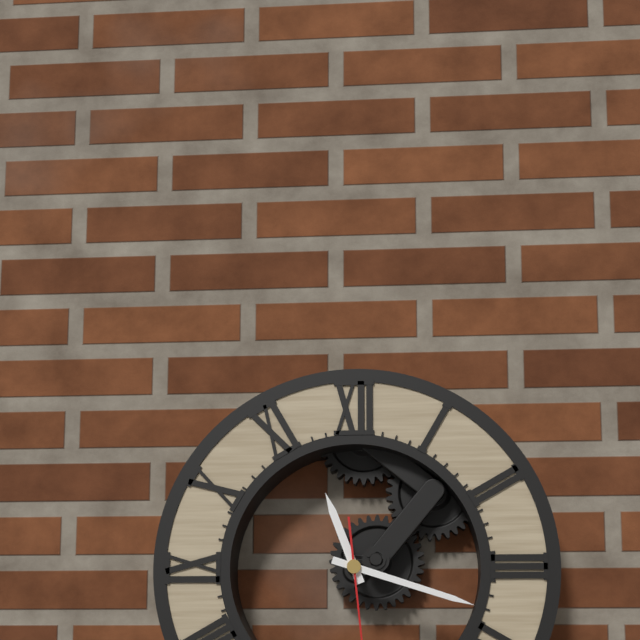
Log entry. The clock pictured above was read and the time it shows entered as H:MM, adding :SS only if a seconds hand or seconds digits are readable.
11:18
